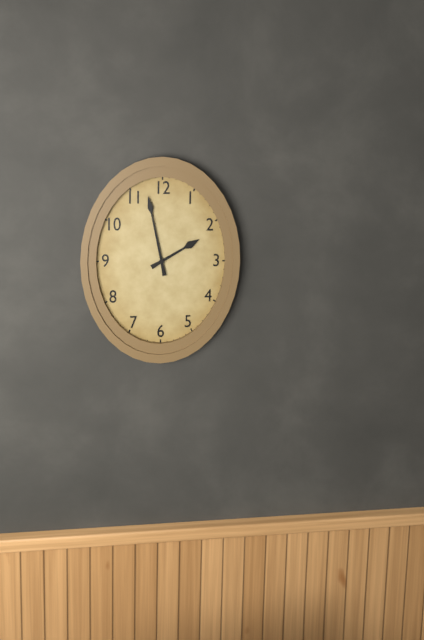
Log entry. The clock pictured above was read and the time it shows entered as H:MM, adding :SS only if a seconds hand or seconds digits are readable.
1:58
